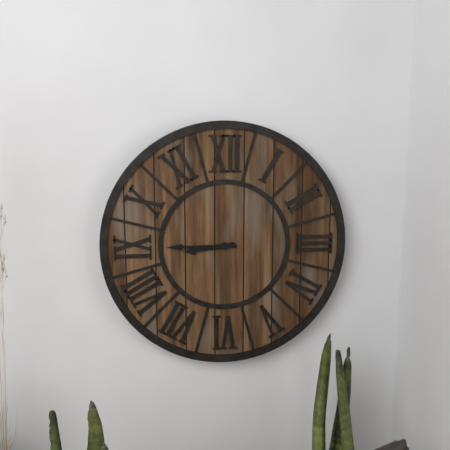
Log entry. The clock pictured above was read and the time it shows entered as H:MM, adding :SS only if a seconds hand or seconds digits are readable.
8:45
